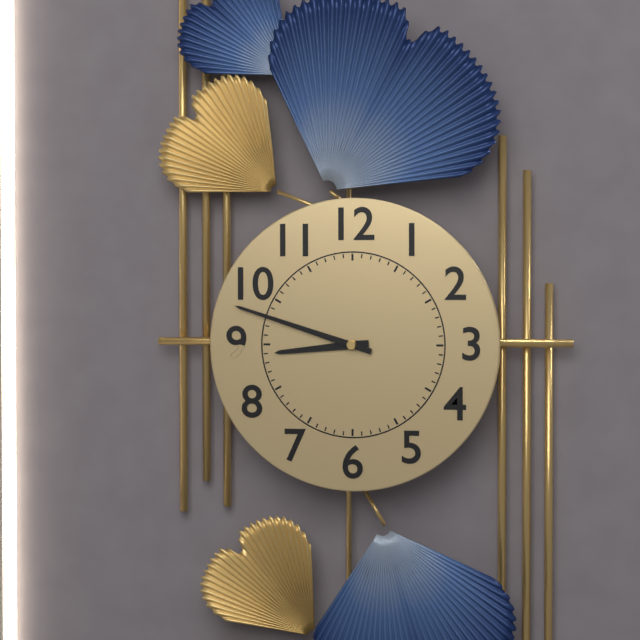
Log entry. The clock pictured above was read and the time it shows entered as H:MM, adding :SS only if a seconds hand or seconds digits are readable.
8:48
